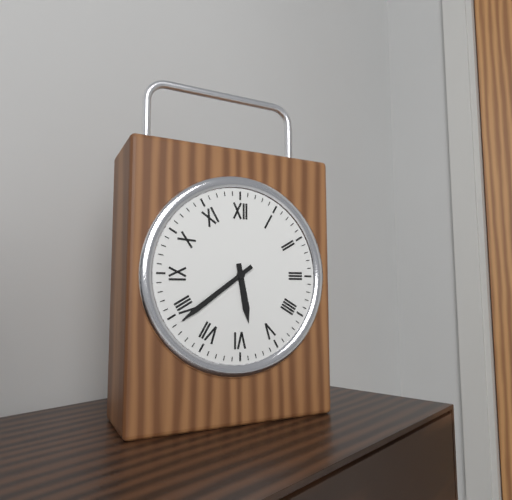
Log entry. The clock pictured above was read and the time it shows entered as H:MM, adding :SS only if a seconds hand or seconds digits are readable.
5:39
